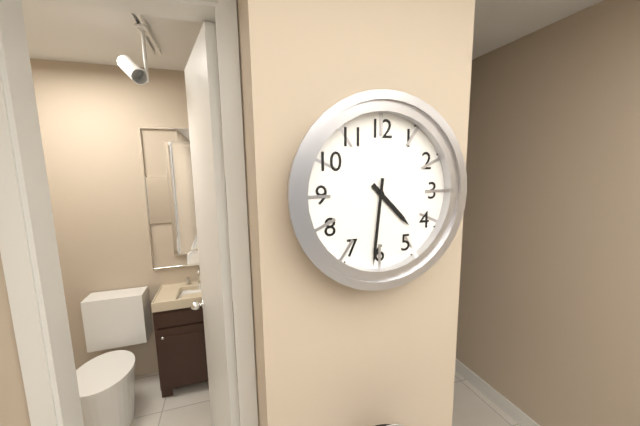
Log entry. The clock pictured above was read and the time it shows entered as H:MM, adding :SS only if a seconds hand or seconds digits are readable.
4:31
